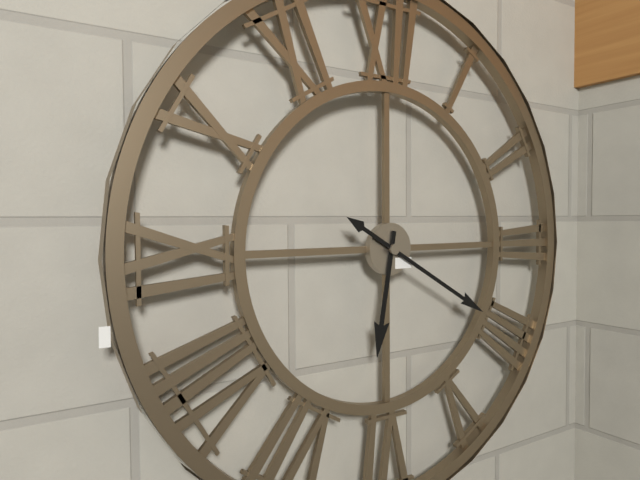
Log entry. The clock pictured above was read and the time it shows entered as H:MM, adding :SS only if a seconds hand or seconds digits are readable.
6:20
